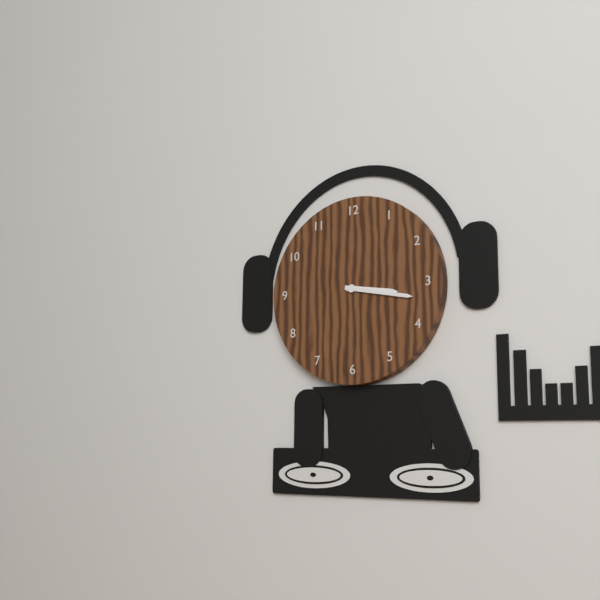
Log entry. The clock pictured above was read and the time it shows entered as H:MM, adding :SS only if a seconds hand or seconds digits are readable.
3:17
